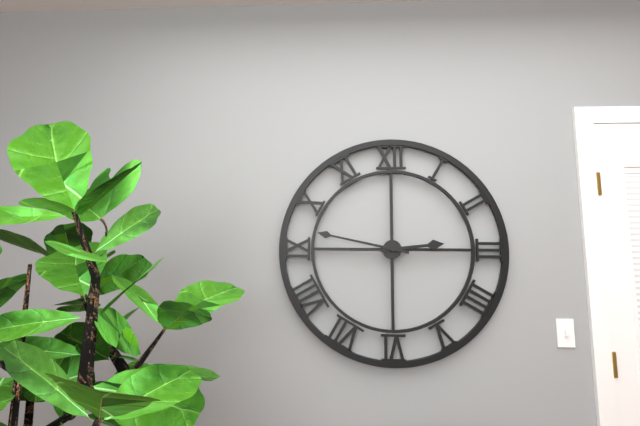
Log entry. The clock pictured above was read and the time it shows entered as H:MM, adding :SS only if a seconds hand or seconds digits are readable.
2:47
